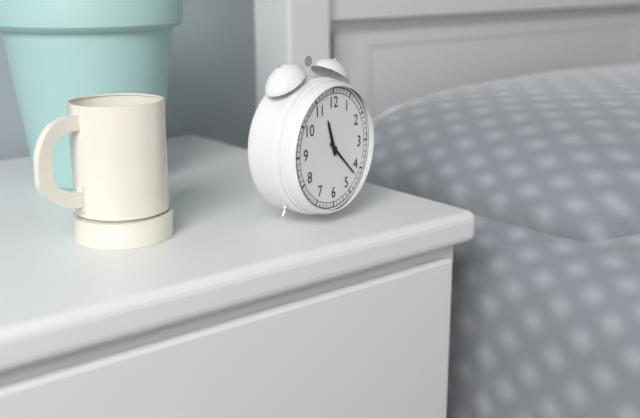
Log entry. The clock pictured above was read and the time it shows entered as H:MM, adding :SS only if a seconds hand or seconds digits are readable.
11:22
